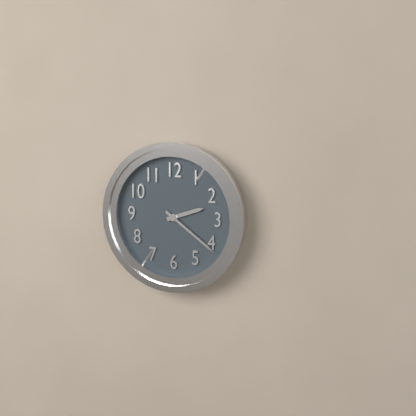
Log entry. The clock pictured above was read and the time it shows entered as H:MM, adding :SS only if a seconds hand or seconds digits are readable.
2:21
